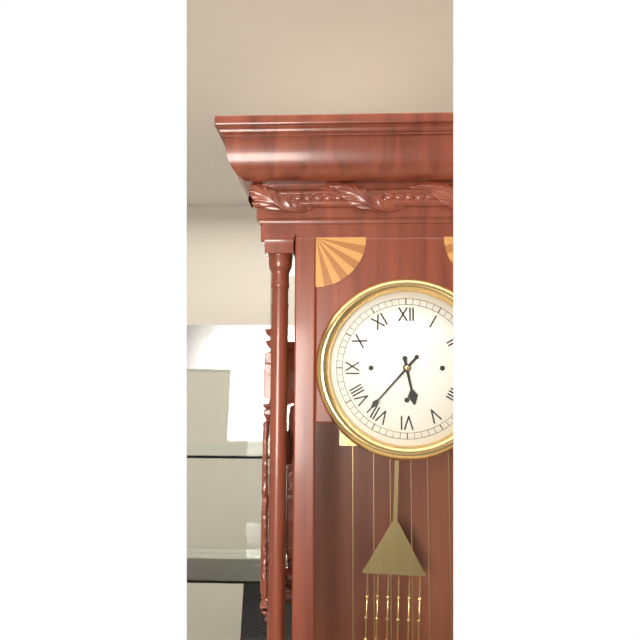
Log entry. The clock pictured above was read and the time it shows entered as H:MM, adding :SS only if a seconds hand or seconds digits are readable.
5:37
